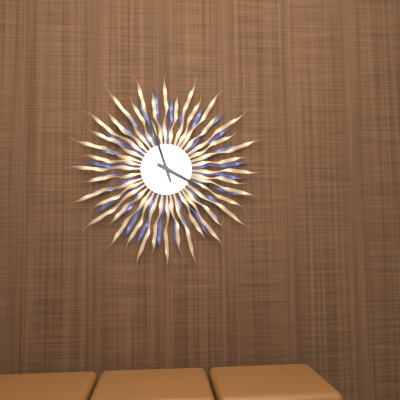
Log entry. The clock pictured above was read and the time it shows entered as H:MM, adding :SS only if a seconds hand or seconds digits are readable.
3:57
